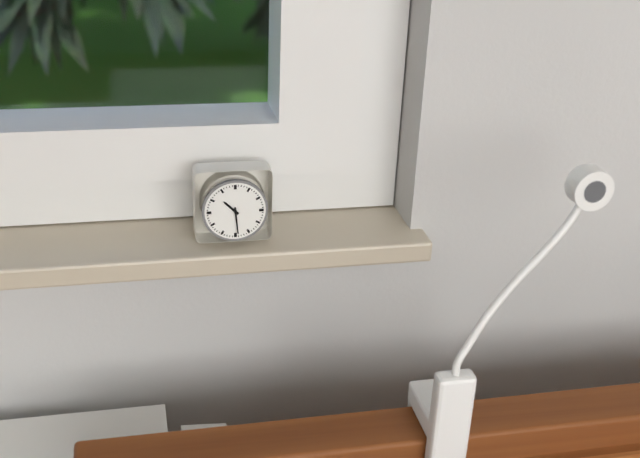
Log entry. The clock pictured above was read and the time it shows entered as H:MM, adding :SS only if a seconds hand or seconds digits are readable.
10:29
